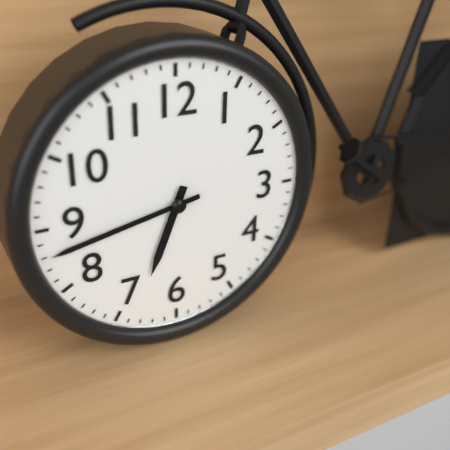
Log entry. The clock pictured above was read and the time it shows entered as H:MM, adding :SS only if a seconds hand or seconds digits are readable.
6:43
